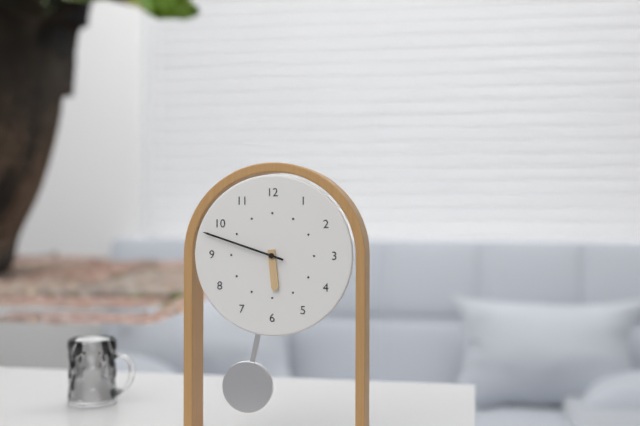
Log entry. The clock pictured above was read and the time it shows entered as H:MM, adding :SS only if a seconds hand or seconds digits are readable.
5:48
